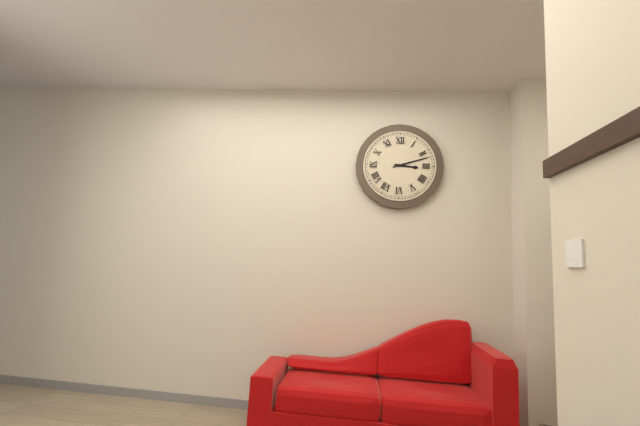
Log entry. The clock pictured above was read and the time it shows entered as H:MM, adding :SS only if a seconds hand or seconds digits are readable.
3:12
